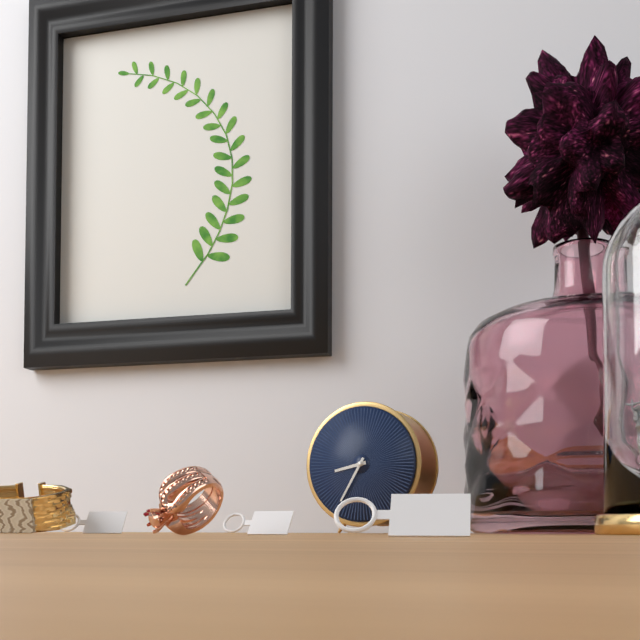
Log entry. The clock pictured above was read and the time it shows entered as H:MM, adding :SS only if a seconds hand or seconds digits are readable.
8:35
